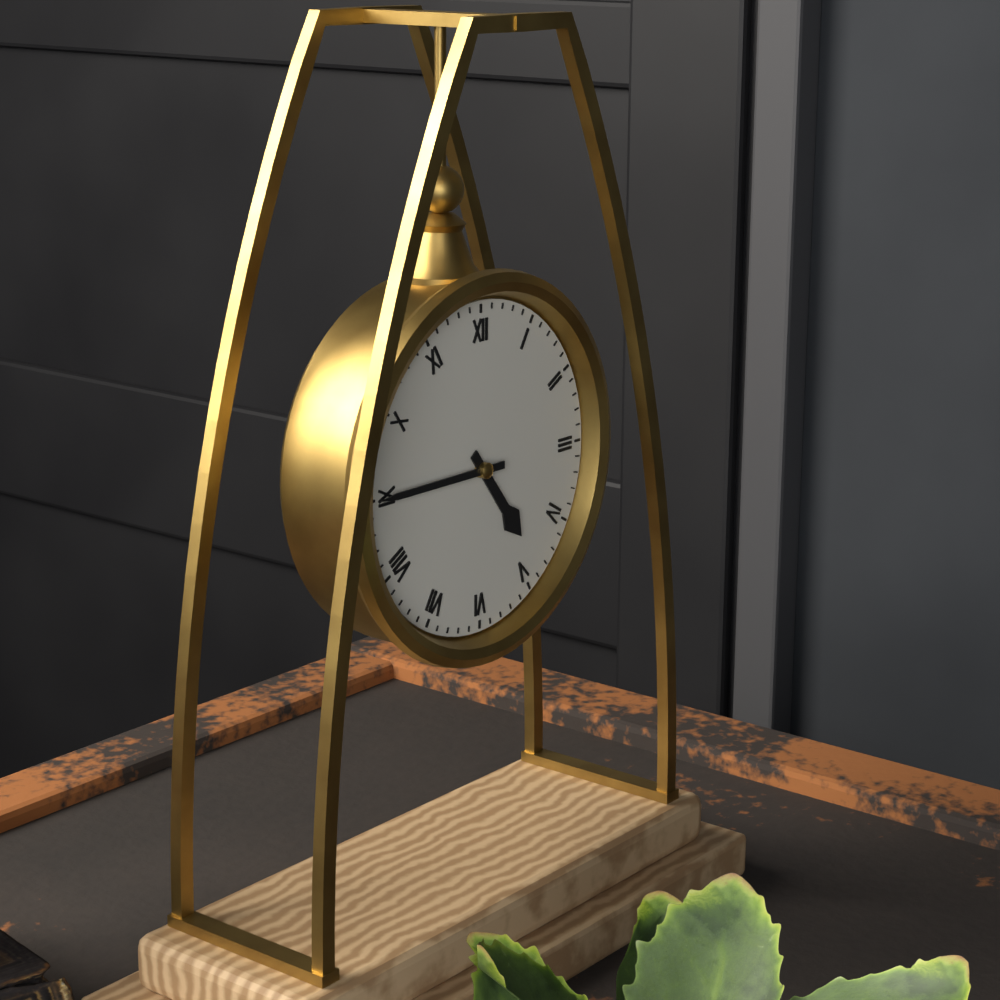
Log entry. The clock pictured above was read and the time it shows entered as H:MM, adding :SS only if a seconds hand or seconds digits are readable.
4:45
